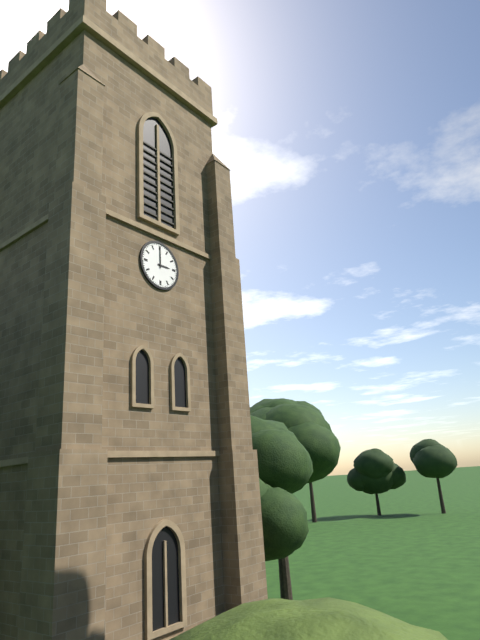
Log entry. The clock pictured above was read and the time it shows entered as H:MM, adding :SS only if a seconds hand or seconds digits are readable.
3:00
